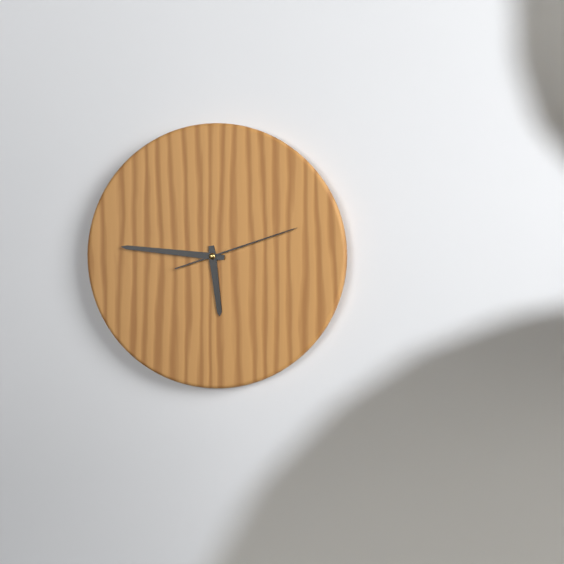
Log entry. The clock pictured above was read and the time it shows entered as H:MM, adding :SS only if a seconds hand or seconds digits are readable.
5:46:12
